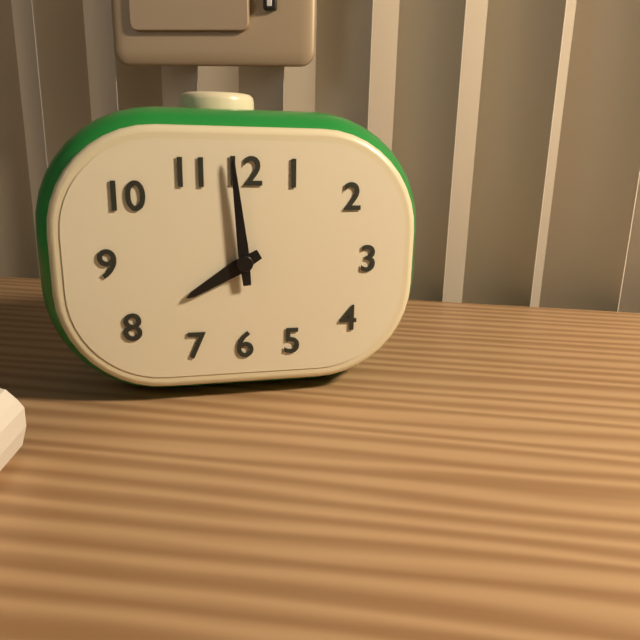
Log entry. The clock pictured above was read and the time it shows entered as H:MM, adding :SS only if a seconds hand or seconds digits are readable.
7:59
